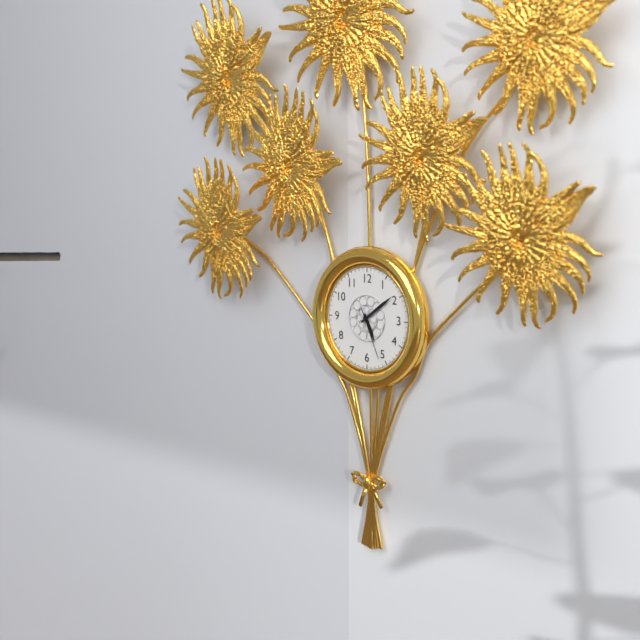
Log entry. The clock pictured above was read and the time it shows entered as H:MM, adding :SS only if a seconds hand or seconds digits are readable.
5:09:26
